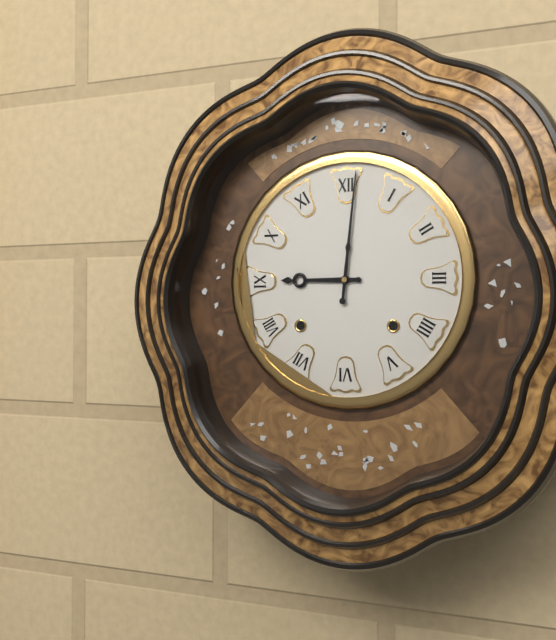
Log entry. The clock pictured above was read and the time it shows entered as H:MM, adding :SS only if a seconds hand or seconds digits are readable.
9:01
